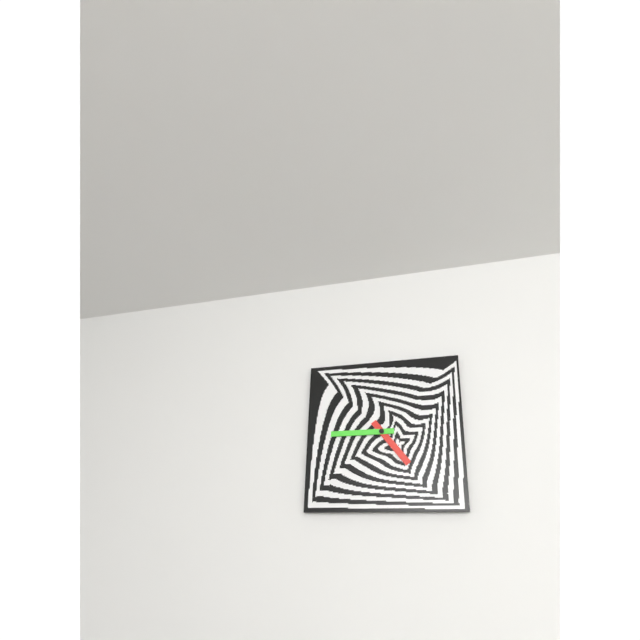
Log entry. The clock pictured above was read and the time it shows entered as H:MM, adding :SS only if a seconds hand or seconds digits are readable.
4:45
